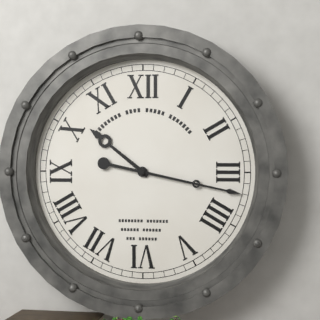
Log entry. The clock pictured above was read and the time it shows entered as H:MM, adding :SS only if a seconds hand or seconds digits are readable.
10:17
